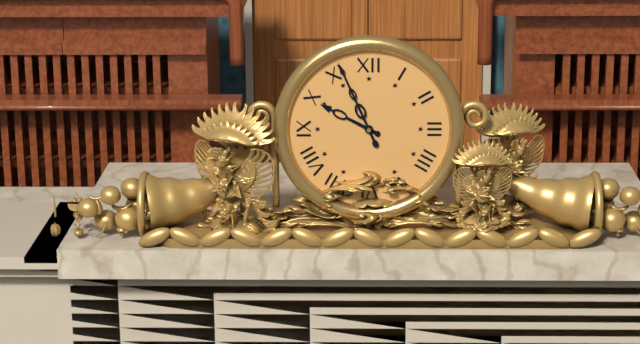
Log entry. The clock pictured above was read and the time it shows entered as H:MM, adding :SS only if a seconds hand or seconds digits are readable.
9:56
